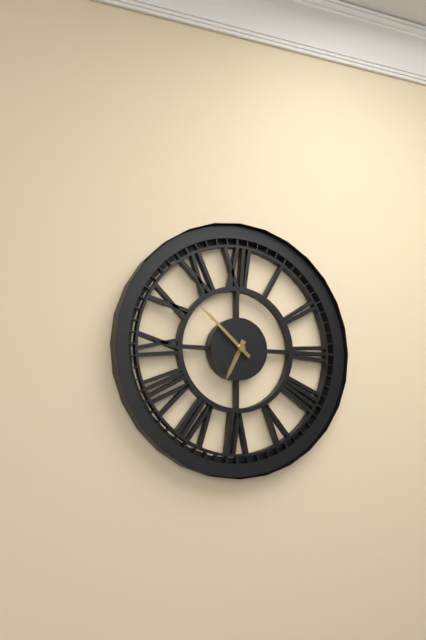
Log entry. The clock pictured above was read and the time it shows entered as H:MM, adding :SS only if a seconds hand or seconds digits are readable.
6:52
